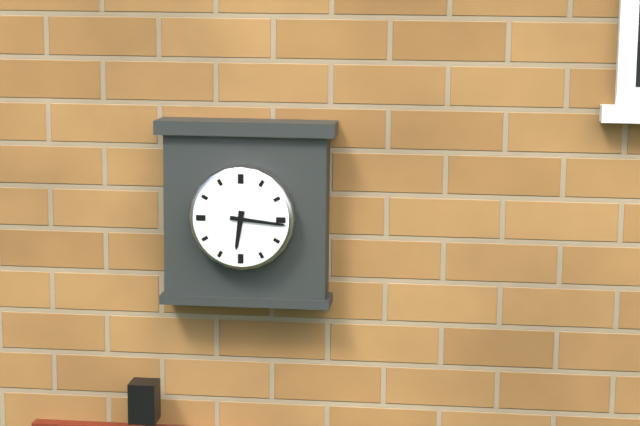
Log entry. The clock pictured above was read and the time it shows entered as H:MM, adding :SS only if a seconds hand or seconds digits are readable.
6:16
